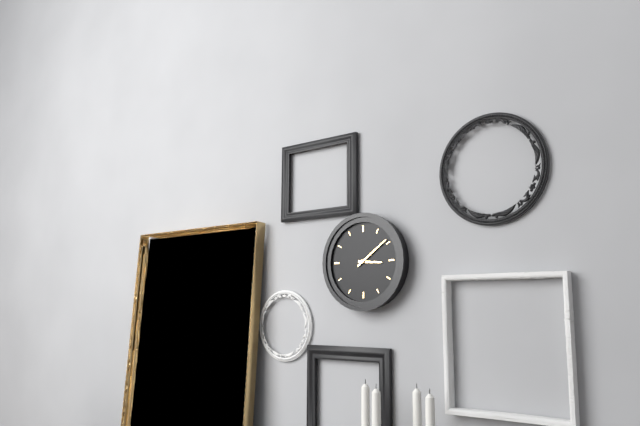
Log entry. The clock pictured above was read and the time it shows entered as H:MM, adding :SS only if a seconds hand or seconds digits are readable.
3:09
